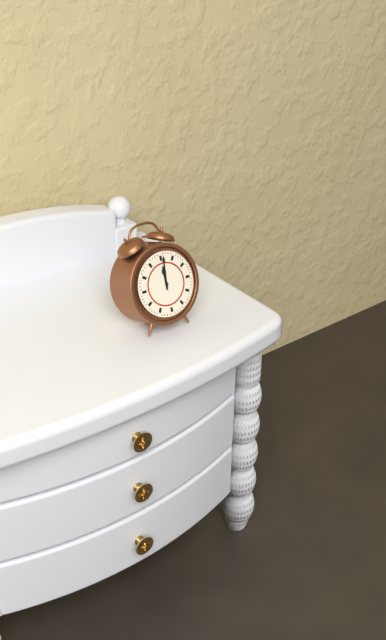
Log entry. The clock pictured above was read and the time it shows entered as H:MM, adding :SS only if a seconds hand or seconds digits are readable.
12:01
